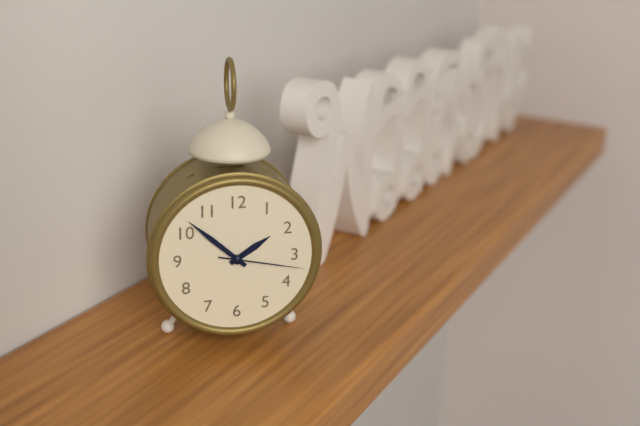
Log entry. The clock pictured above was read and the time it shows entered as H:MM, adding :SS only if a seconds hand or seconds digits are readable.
1:52:17
